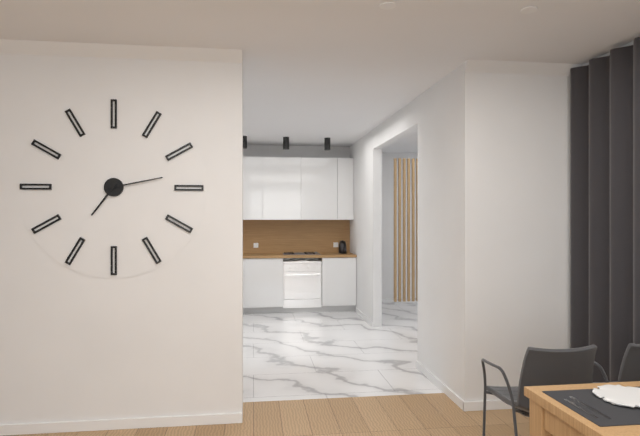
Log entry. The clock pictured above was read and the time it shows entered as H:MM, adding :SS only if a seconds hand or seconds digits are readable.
7:13
